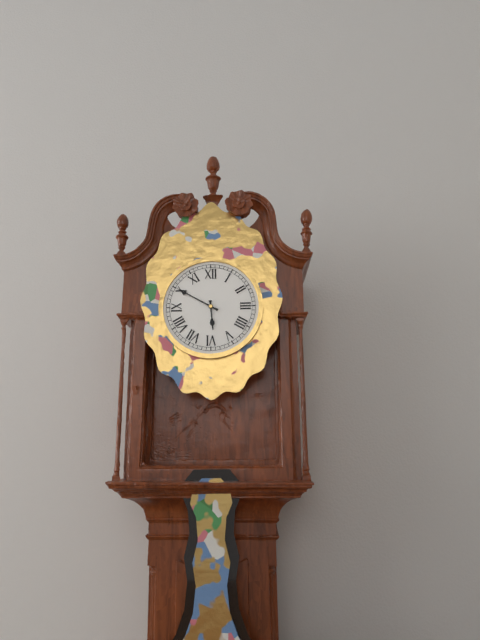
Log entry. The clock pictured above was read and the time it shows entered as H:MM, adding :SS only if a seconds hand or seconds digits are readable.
5:50
